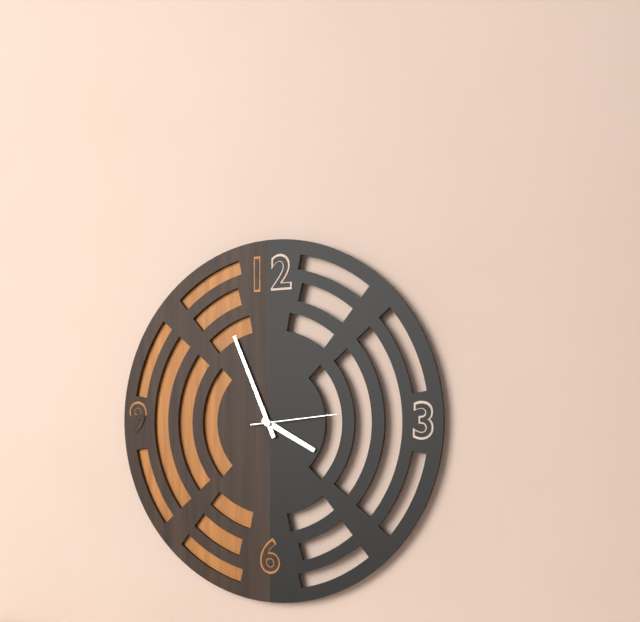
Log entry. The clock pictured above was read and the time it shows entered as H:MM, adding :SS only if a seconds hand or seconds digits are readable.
3:56:14
